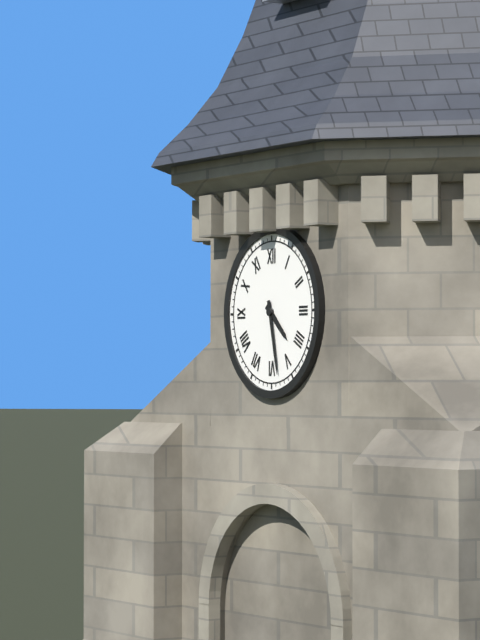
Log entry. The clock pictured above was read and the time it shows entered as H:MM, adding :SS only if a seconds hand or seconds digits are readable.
4:28
